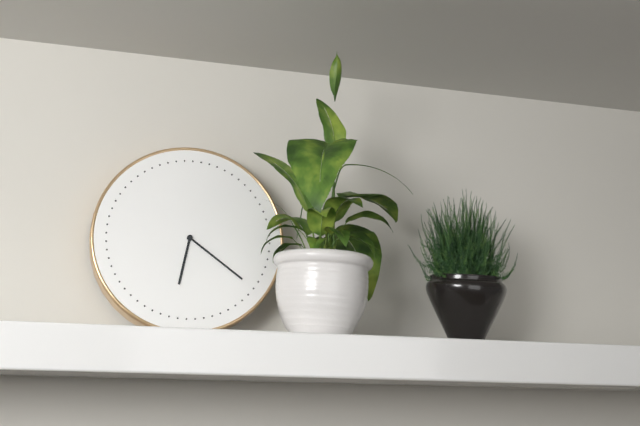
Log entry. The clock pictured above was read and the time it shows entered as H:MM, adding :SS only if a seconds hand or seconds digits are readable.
6:21
